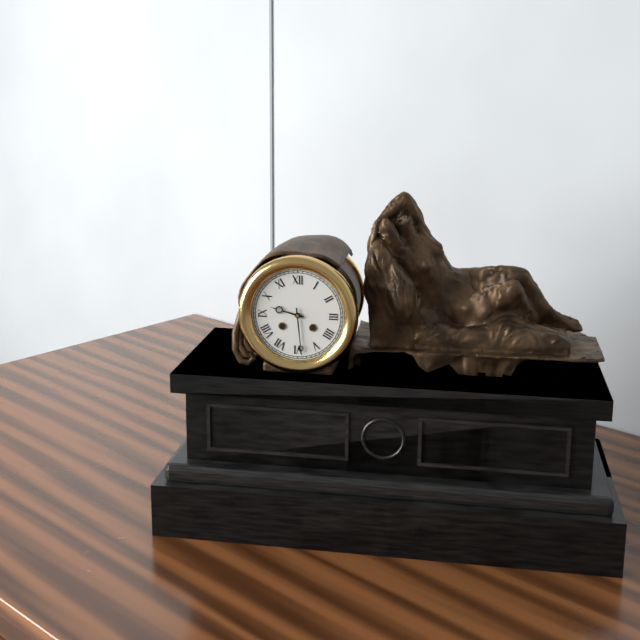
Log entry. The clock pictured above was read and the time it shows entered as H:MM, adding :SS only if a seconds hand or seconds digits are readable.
9:29
